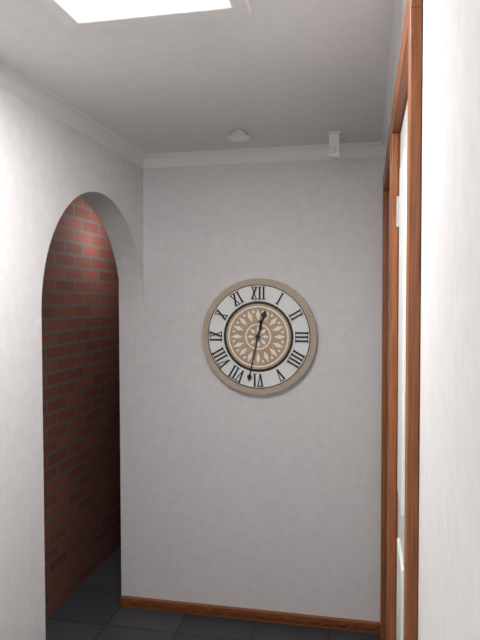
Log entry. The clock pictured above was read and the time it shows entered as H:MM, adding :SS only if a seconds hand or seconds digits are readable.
12:32
